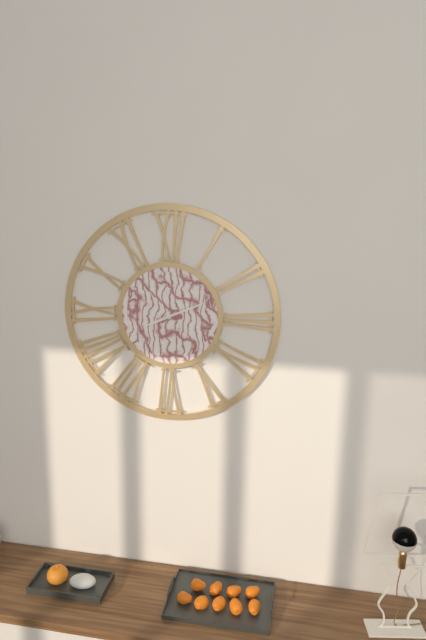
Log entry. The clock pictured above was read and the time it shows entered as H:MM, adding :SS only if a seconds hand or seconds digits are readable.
8:11
